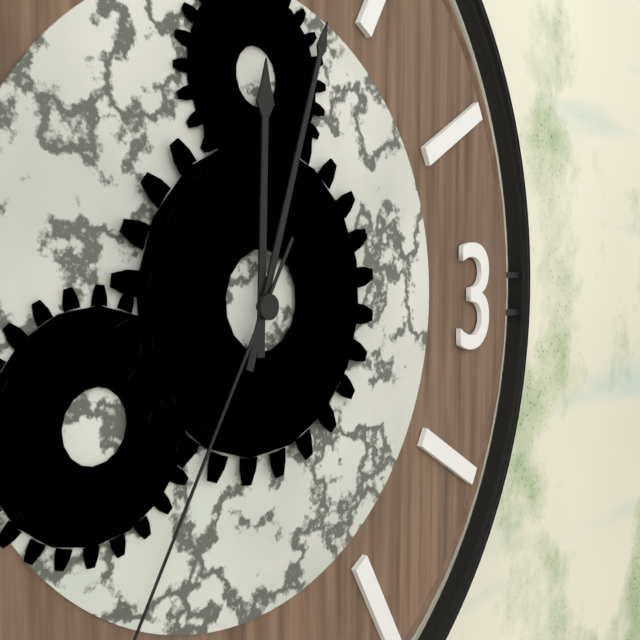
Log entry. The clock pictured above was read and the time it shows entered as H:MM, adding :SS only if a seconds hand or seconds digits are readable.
12:03
